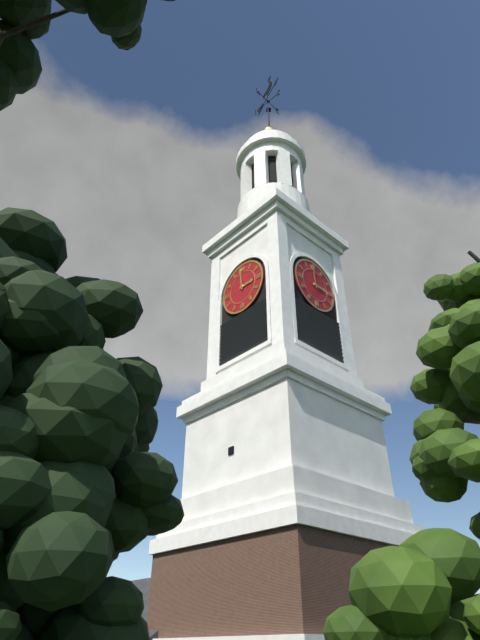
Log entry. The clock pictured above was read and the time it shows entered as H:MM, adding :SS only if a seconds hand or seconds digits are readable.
2:59
